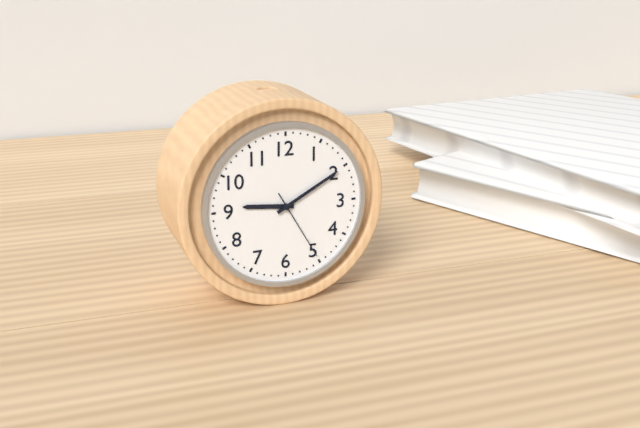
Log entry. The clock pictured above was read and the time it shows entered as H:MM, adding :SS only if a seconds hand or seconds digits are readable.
9:10:25
